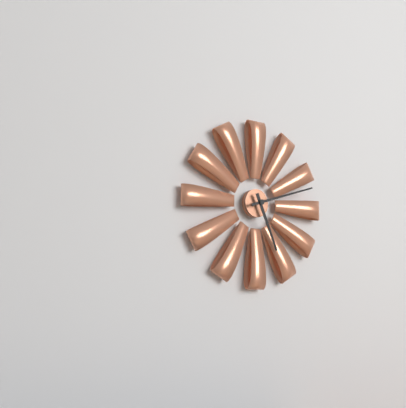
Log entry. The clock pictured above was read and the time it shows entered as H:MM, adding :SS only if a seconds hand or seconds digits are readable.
5:12
